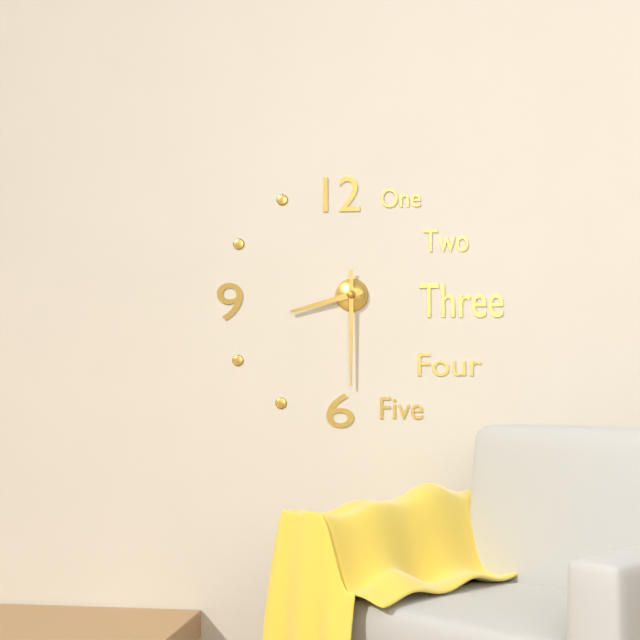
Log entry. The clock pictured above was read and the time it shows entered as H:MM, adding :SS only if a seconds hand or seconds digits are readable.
8:30
